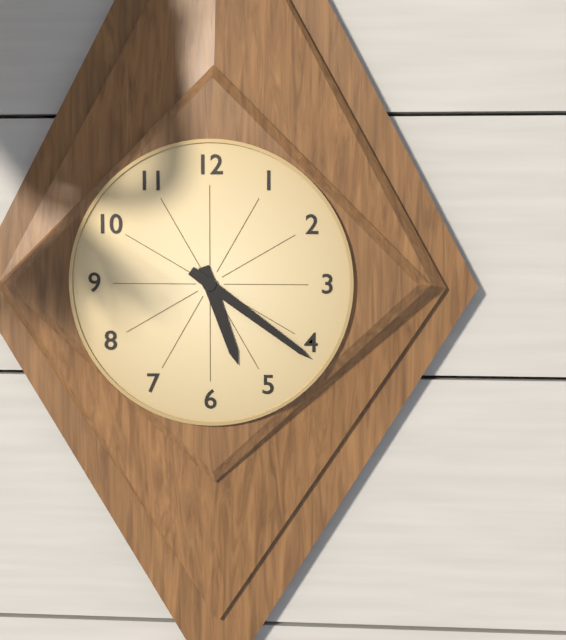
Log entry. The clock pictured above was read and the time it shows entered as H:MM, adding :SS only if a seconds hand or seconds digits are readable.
5:21
